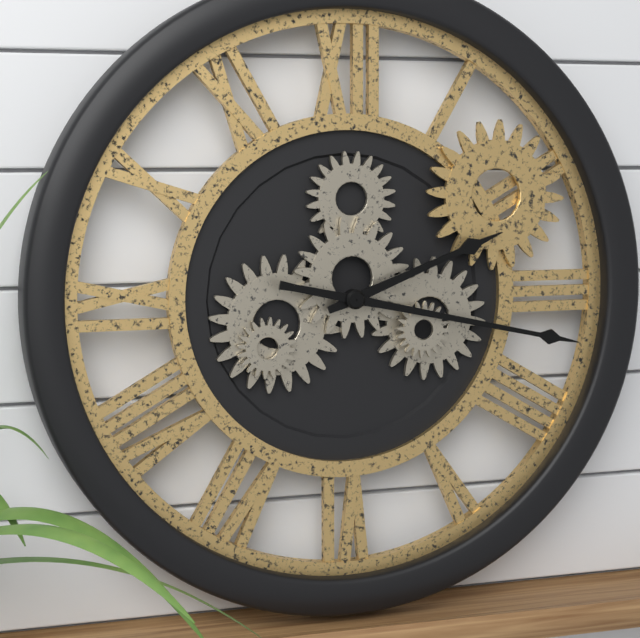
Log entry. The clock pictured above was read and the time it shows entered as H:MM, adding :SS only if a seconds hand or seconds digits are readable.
2:17
